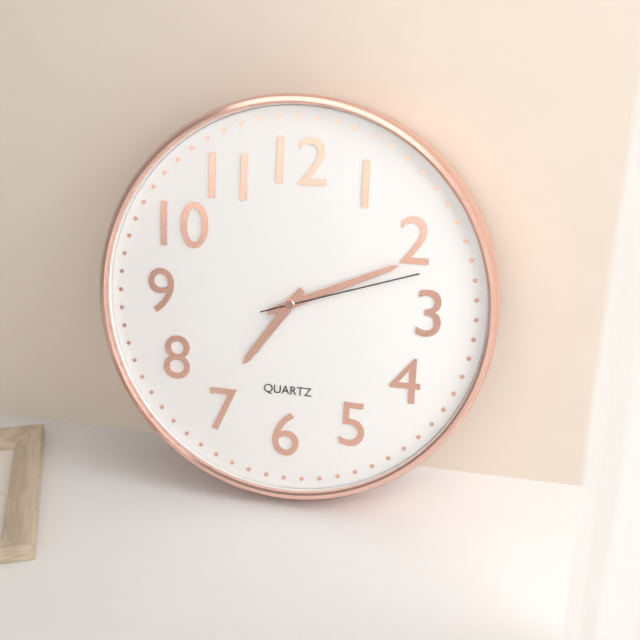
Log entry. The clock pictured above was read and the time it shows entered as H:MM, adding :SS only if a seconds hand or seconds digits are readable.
7:11:12
